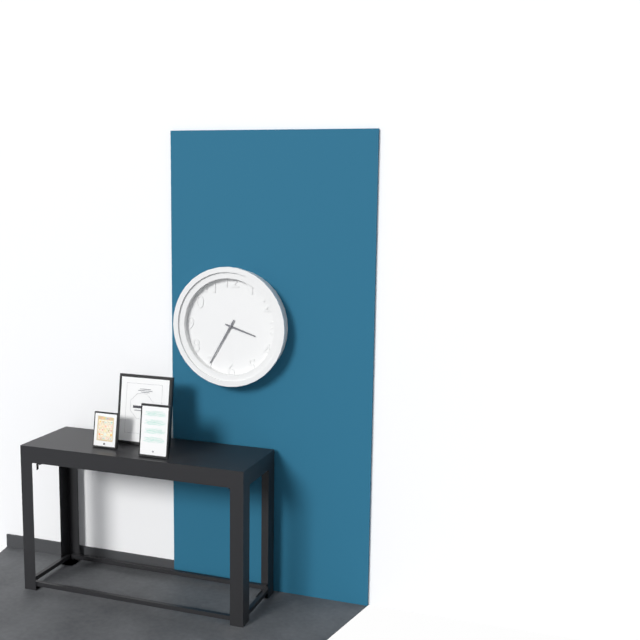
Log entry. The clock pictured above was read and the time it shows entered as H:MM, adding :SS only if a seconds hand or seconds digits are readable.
3:35
